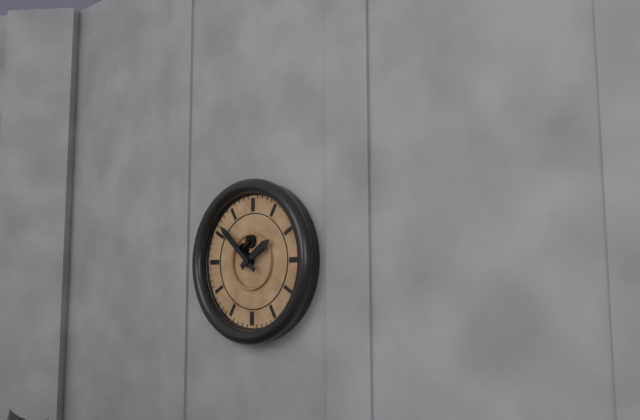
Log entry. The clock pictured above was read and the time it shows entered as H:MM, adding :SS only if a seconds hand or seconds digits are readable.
1:52
